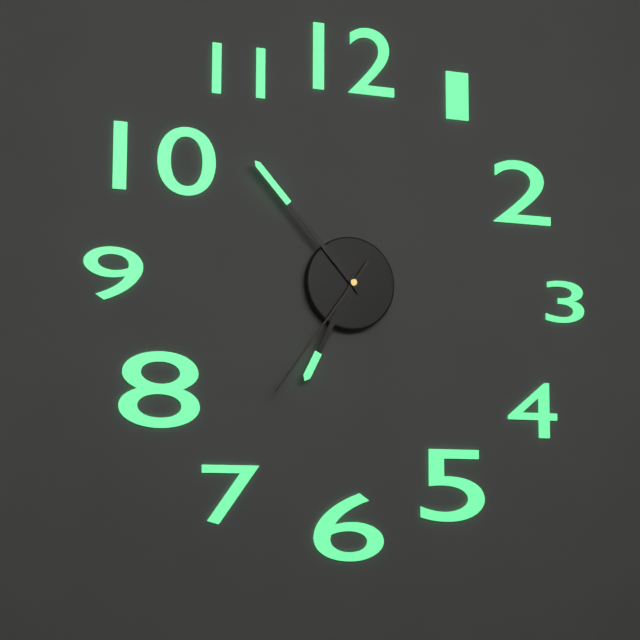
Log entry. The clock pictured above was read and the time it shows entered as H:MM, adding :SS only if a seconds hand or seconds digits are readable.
6:53:36
